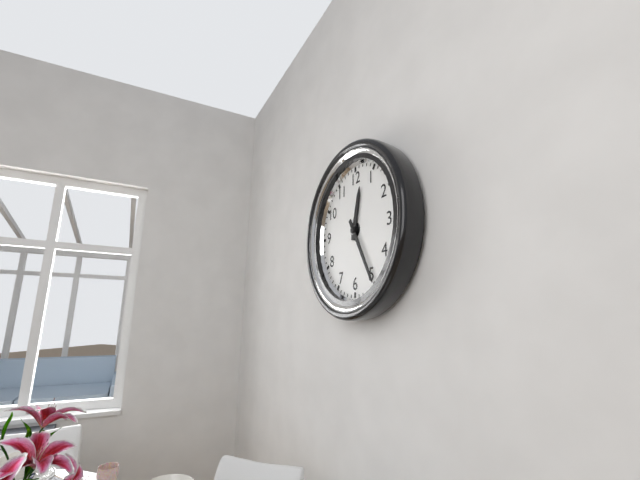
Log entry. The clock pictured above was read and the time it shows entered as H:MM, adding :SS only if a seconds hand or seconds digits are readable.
12:25
